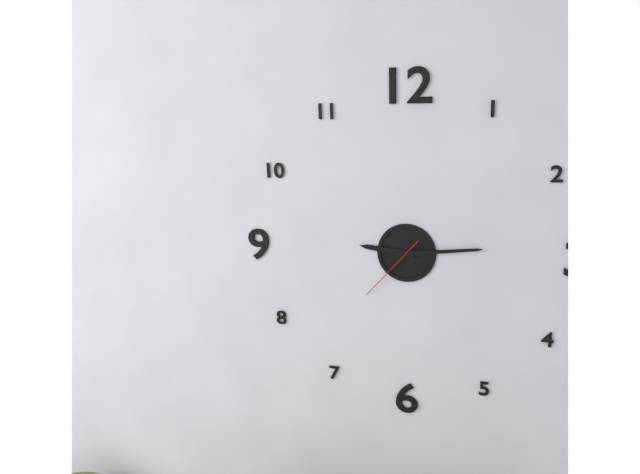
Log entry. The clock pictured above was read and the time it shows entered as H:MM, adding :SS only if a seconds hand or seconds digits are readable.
9:14:37
